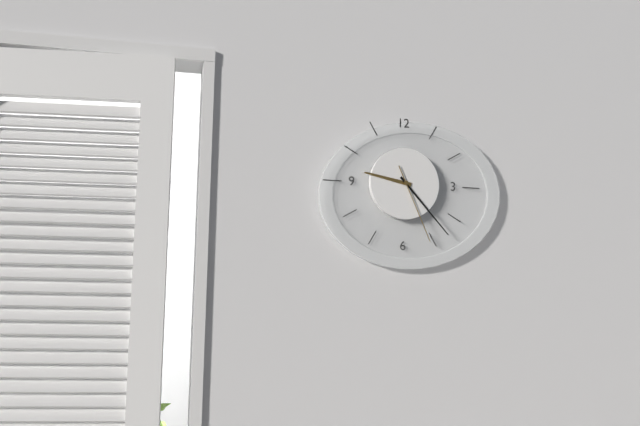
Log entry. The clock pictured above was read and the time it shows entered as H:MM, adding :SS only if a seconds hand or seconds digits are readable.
9:23:26
